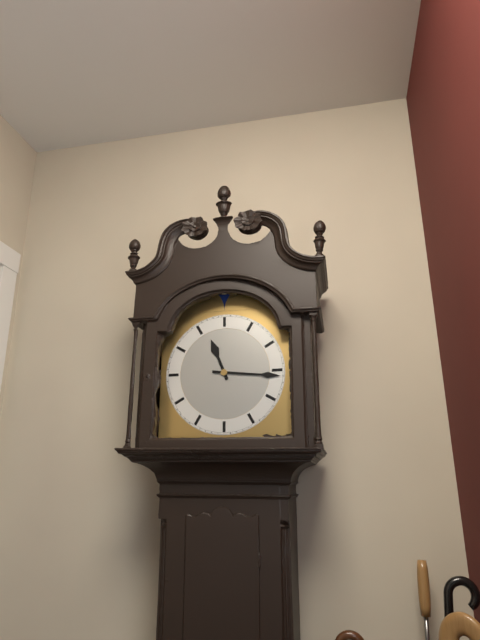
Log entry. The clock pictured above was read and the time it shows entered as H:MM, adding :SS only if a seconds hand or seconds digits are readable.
11:16
